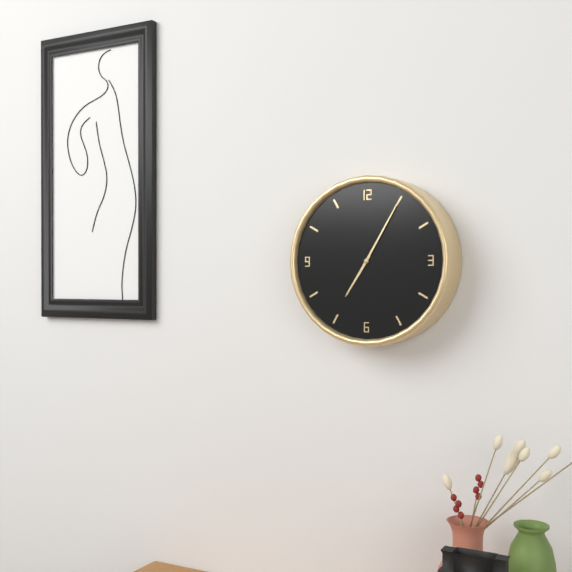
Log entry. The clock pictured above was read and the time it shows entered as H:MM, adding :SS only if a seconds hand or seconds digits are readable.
7:05
